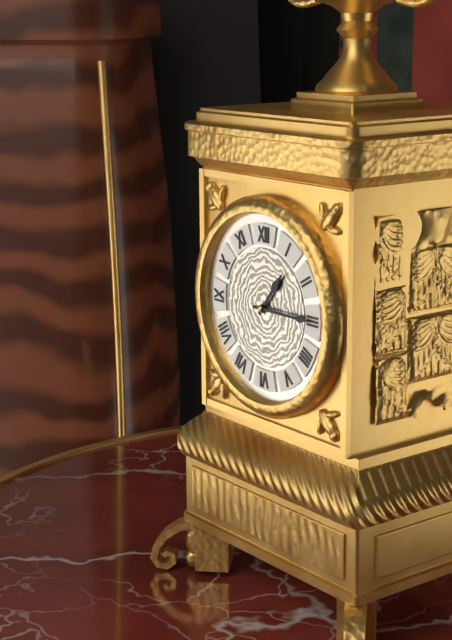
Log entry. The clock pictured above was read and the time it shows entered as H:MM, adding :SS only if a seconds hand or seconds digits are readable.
1:15
